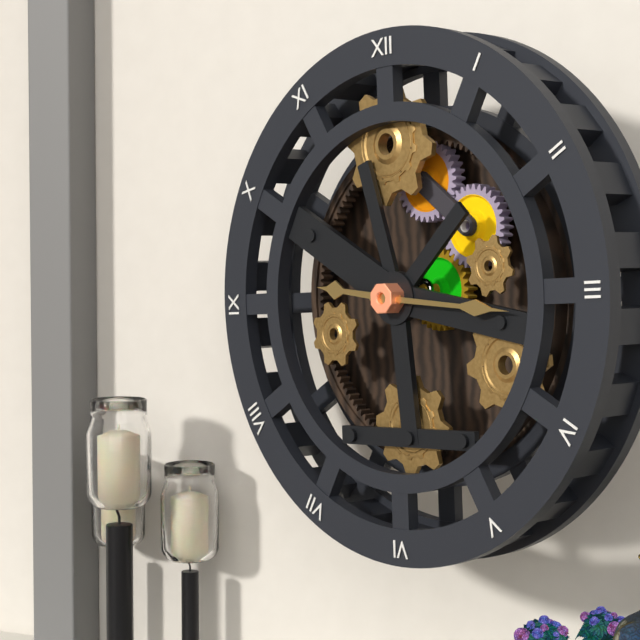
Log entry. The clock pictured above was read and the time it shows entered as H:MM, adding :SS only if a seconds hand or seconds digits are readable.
9:16
